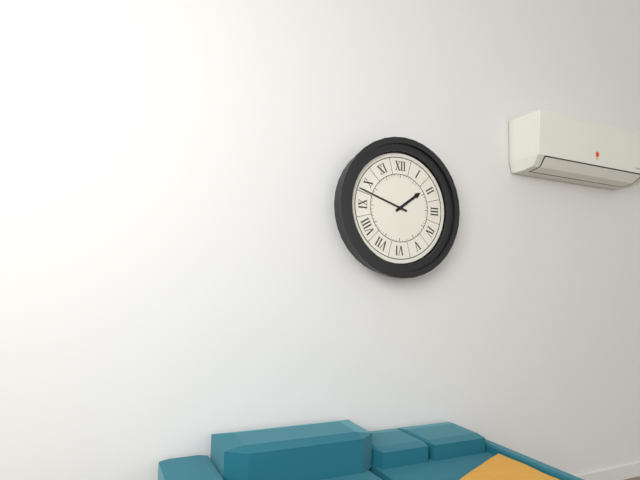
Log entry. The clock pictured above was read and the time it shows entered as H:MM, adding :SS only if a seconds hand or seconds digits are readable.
1:48
